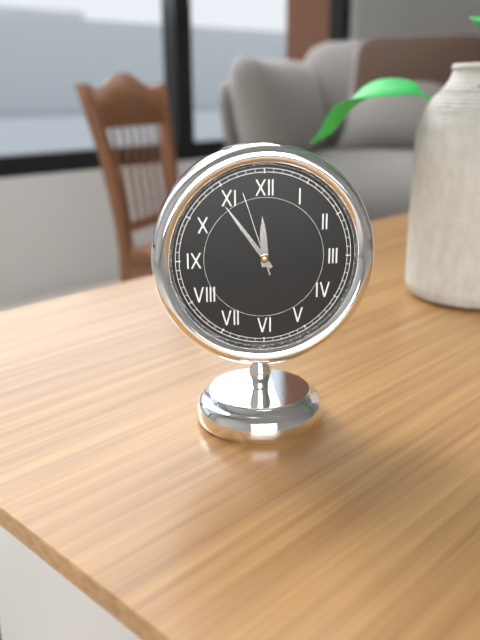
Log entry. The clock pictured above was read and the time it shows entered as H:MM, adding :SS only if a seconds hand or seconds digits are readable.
11:54:57
